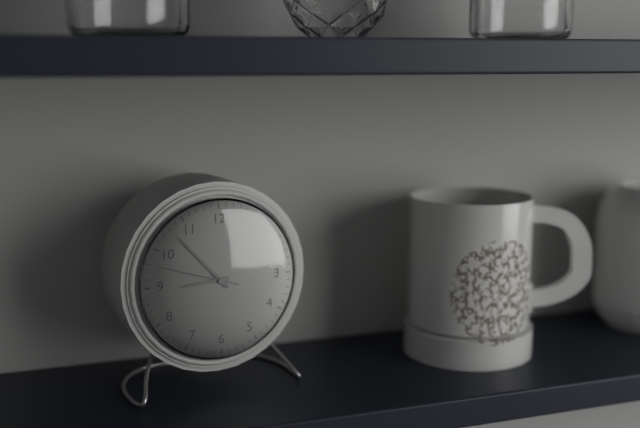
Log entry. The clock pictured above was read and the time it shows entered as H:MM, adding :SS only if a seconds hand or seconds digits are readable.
8:53:48
